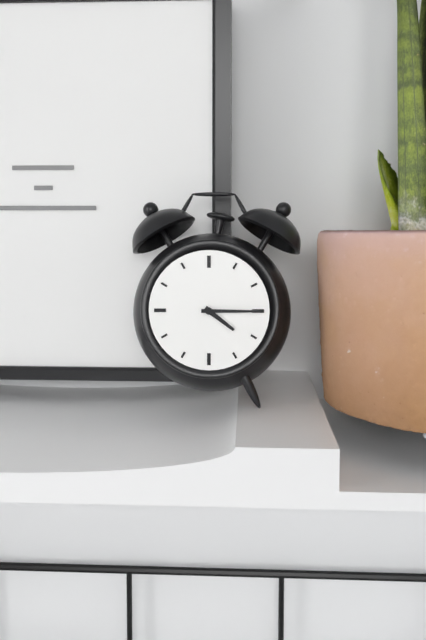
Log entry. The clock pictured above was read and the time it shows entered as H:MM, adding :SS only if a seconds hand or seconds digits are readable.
4:15
